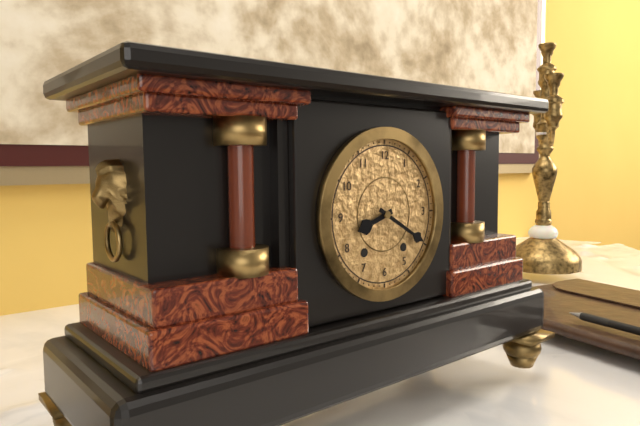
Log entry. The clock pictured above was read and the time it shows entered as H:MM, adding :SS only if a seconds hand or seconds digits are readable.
8:20
